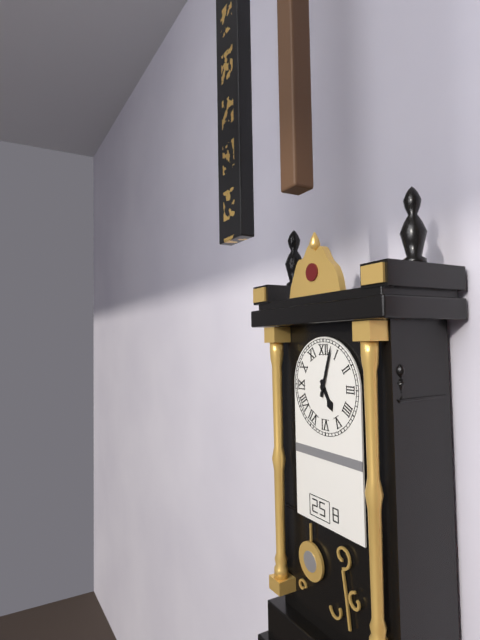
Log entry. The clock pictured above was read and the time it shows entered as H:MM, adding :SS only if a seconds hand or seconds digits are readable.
5:03
